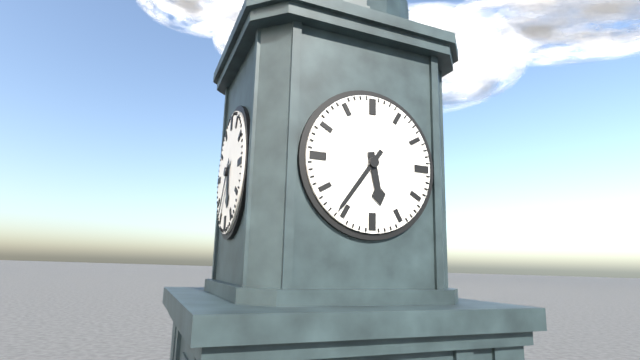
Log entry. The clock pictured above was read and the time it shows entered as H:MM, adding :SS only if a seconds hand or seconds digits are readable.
5:36
